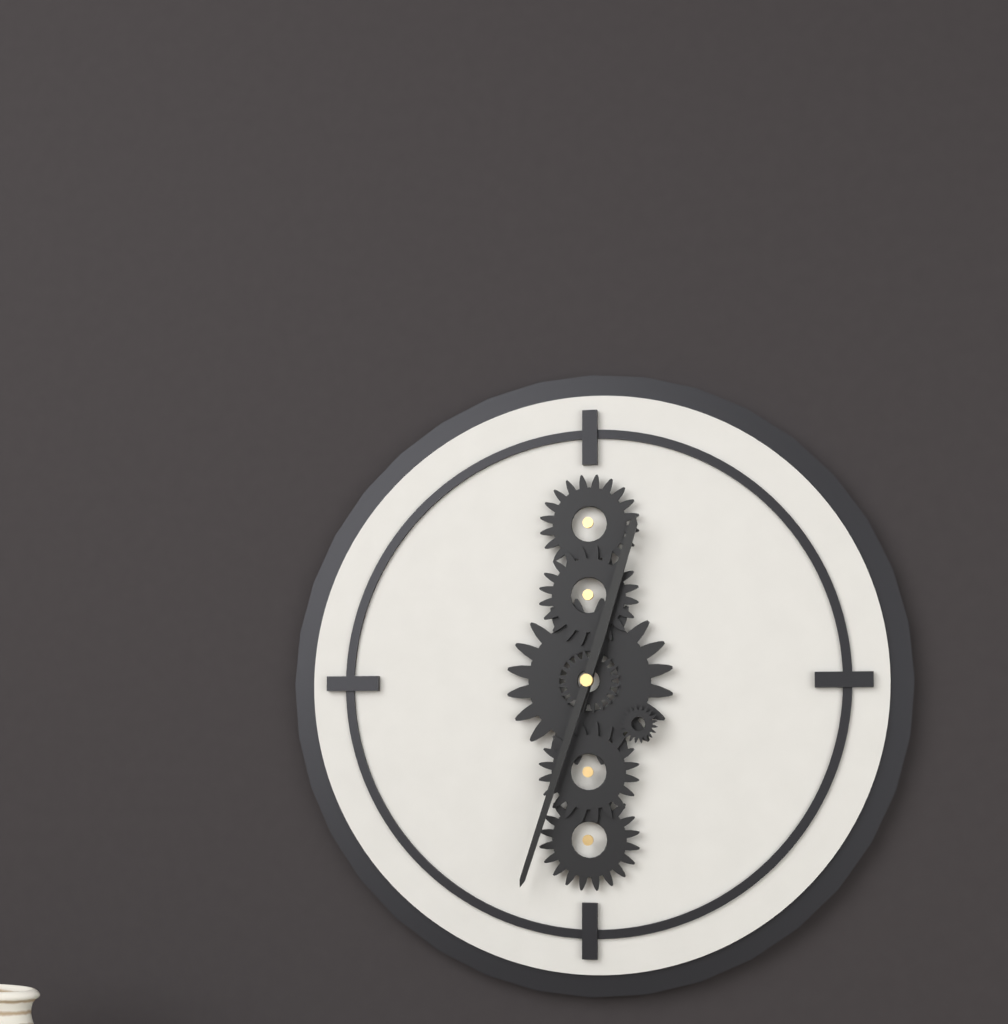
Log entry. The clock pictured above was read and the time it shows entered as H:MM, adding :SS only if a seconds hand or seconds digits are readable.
12:33
